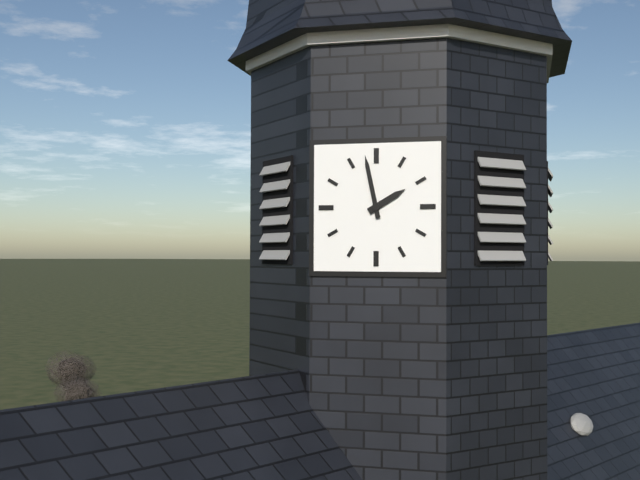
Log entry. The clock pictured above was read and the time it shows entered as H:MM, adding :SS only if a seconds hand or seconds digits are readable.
1:58
